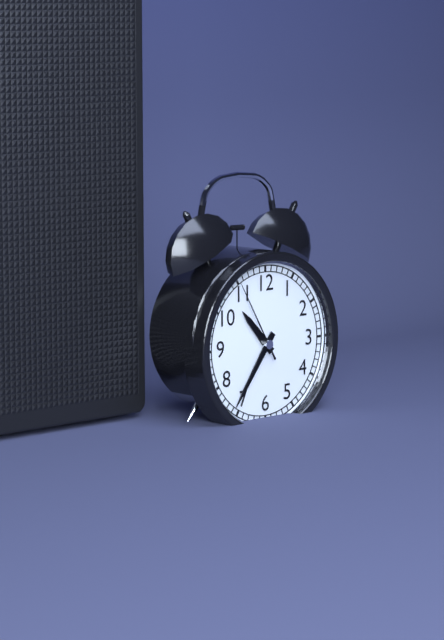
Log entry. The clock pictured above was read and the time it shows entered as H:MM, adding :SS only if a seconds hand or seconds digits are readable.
10:36:55
